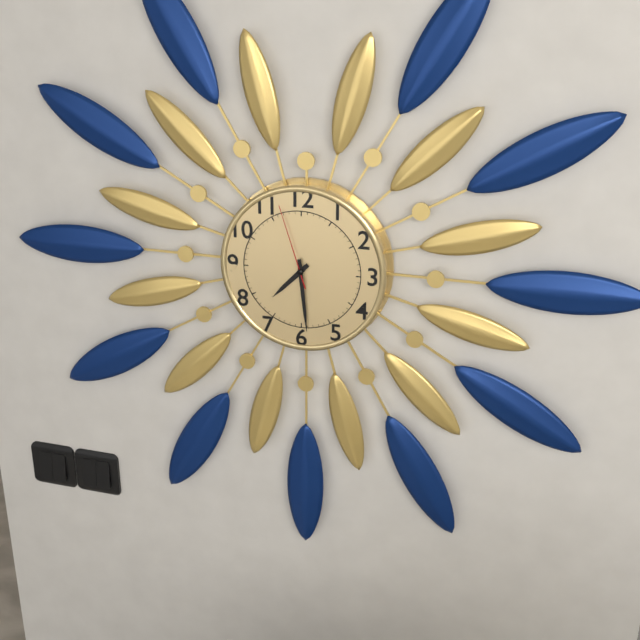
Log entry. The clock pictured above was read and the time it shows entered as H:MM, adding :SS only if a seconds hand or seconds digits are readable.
7:29:57
